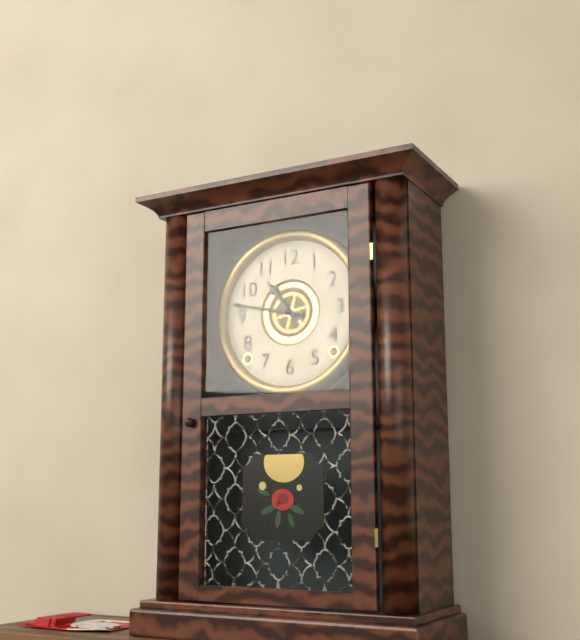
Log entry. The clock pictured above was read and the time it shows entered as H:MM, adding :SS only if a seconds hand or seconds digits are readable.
10:47
